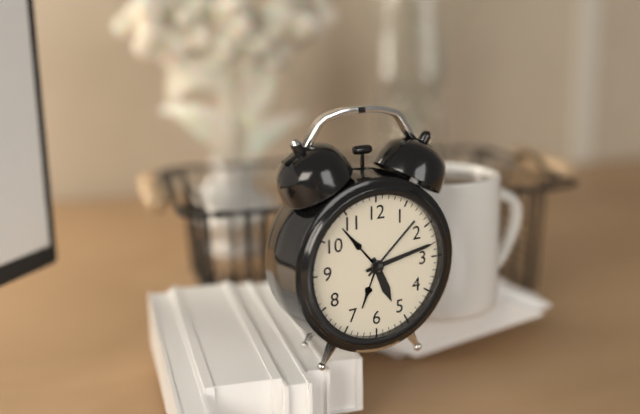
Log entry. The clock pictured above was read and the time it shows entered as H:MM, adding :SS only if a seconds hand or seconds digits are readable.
5:13
